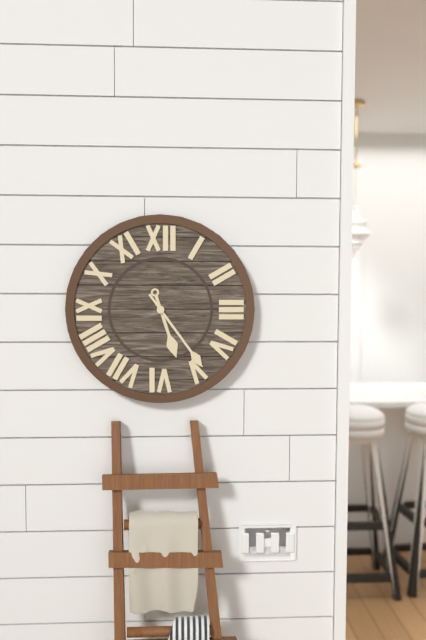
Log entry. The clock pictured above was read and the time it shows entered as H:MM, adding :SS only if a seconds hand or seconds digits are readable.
5:24
